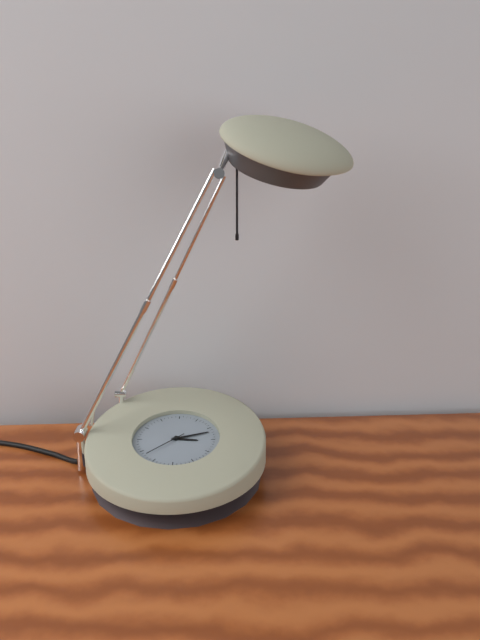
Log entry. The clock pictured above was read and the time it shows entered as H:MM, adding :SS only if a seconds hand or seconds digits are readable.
3:12
